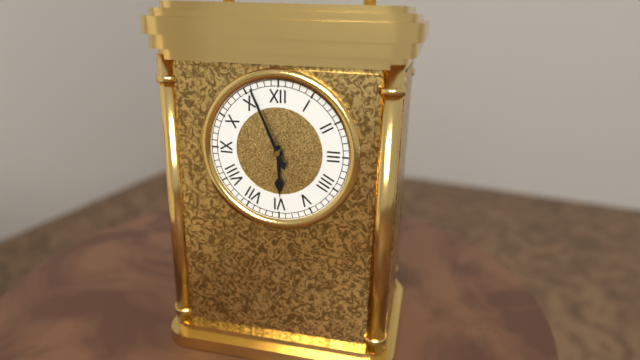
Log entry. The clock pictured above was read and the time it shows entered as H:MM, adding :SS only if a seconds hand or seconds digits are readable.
5:56
